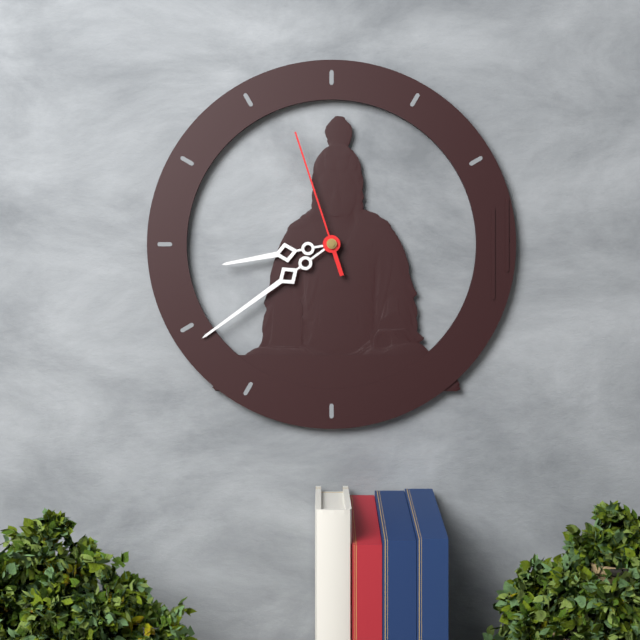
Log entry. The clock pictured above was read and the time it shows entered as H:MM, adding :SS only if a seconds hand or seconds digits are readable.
8:39:57
